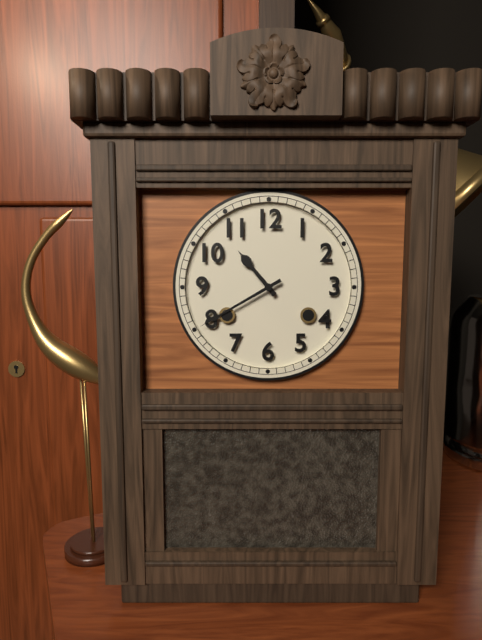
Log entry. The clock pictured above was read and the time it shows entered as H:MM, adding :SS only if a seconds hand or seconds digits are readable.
10:40
